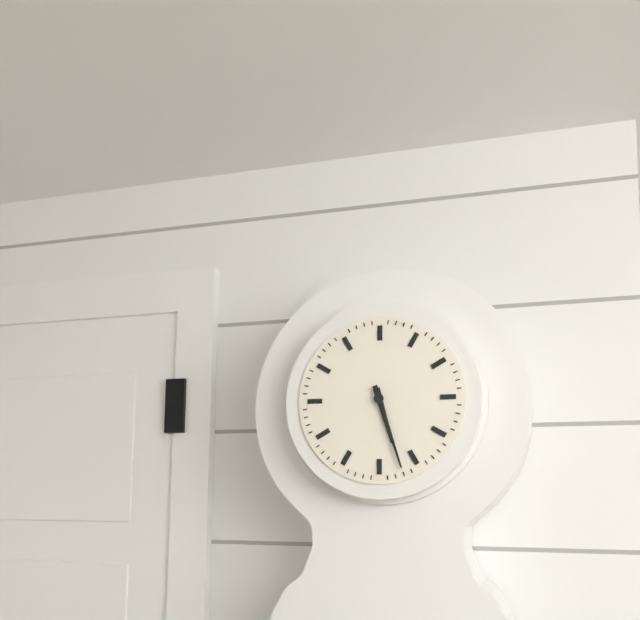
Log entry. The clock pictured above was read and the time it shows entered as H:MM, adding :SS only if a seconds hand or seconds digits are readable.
5:27
